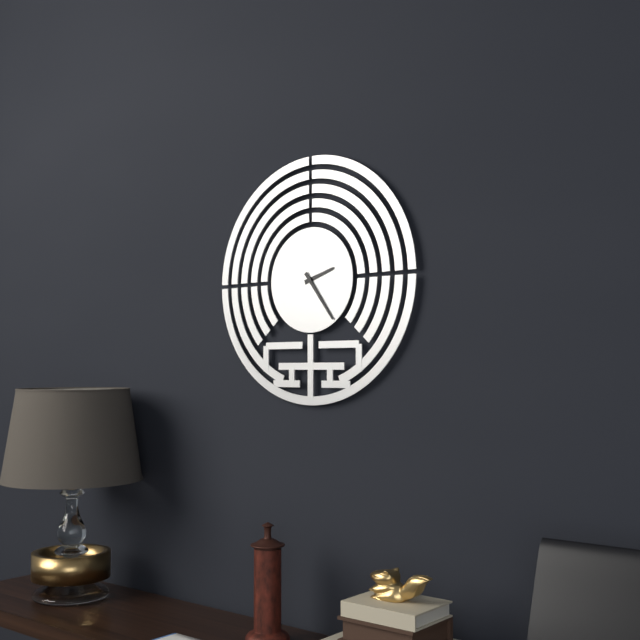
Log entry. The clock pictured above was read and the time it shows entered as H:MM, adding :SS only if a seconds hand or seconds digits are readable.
2:24
